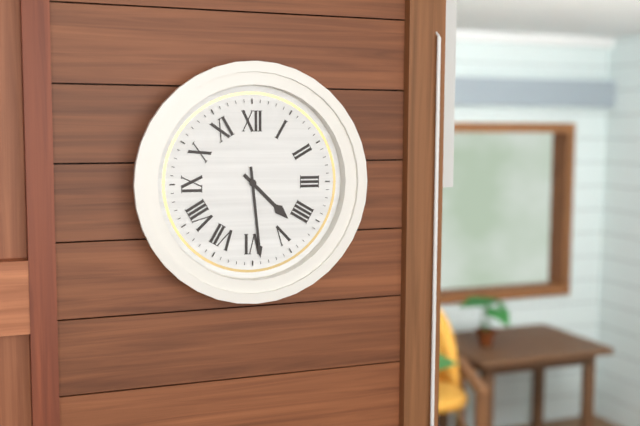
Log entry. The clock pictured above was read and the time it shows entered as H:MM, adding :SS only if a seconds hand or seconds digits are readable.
4:29
